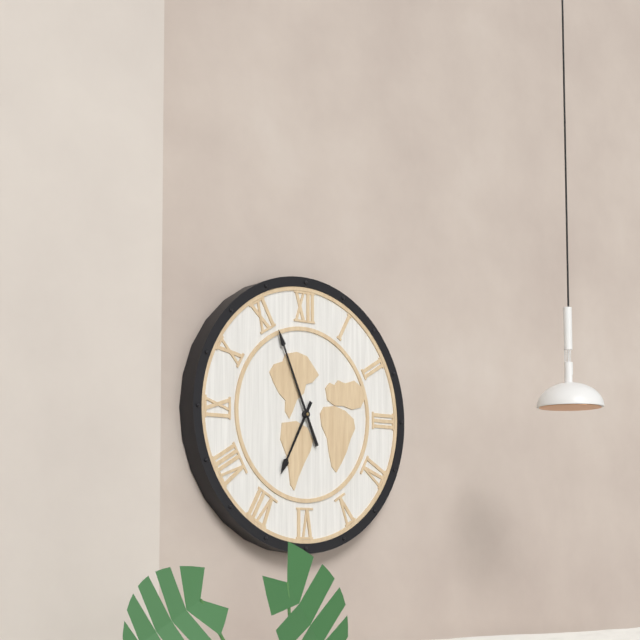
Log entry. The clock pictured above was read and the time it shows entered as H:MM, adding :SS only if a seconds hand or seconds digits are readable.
6:56
